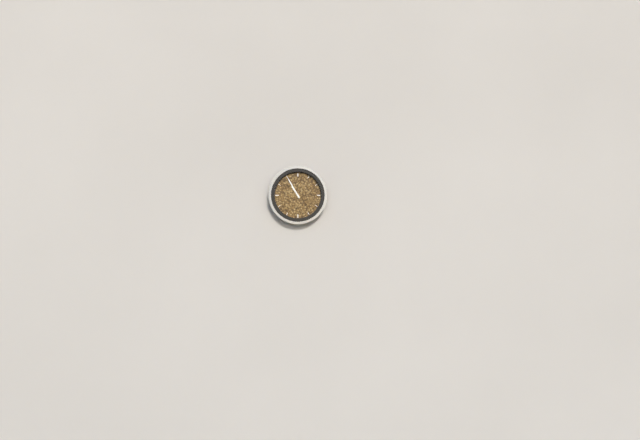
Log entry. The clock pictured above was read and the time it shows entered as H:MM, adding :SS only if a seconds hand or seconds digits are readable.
10:55
